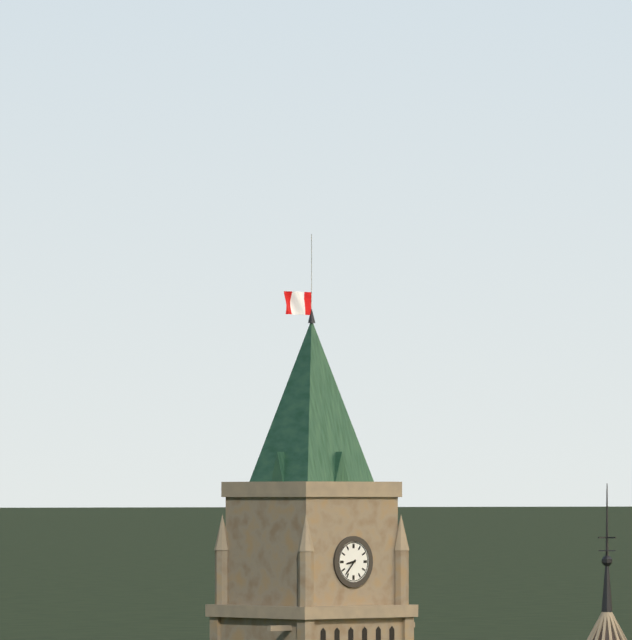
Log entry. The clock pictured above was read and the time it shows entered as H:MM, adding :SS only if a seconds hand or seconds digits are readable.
8:37
